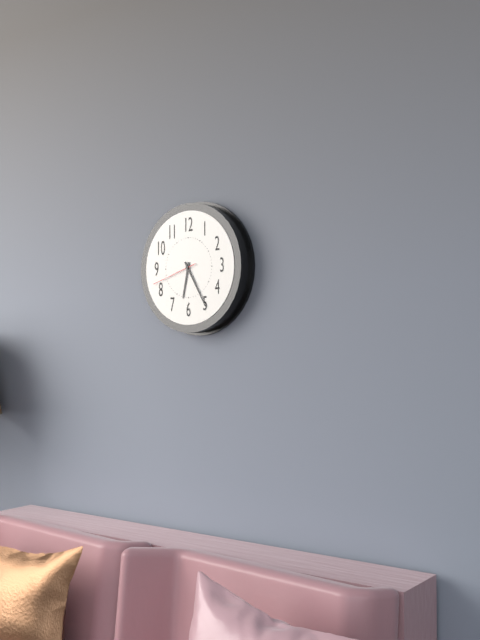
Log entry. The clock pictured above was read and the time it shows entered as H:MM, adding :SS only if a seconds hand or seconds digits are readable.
6:25
